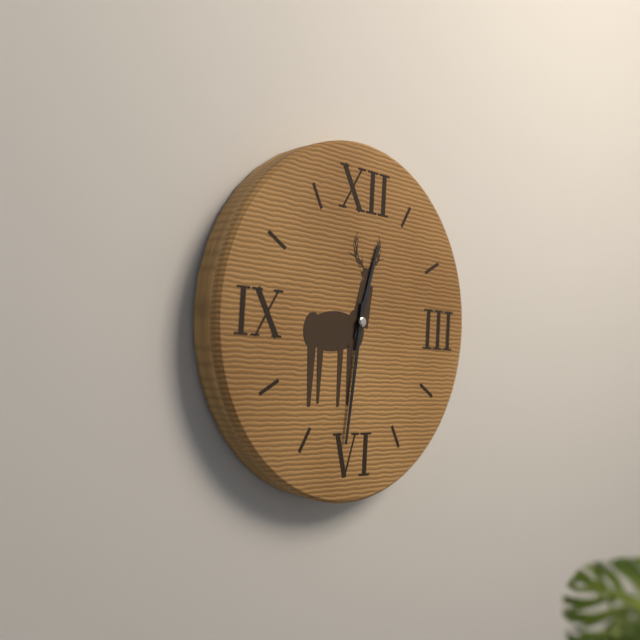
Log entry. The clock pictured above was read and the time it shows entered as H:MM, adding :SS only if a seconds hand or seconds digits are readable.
12:31
